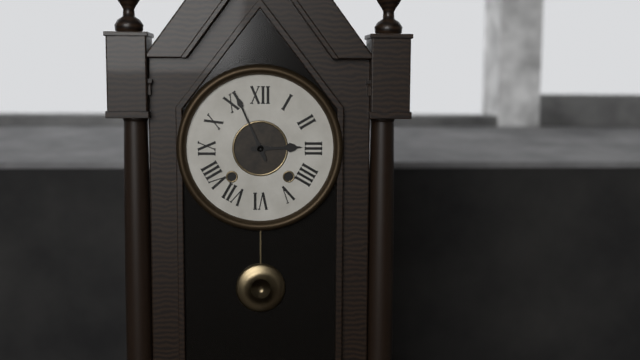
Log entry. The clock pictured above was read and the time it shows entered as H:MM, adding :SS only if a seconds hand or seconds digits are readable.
2:56
